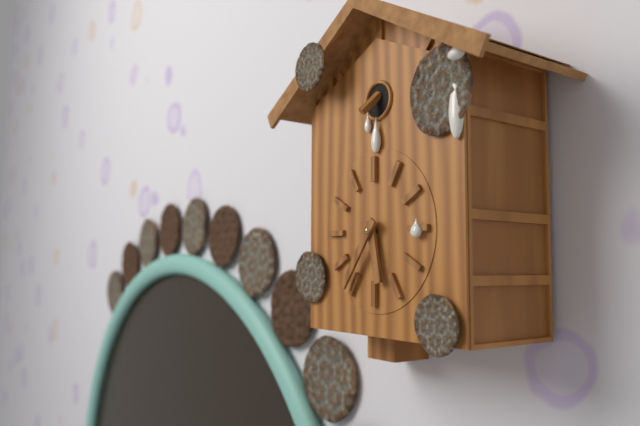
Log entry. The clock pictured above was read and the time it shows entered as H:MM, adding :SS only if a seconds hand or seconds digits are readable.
5:36
